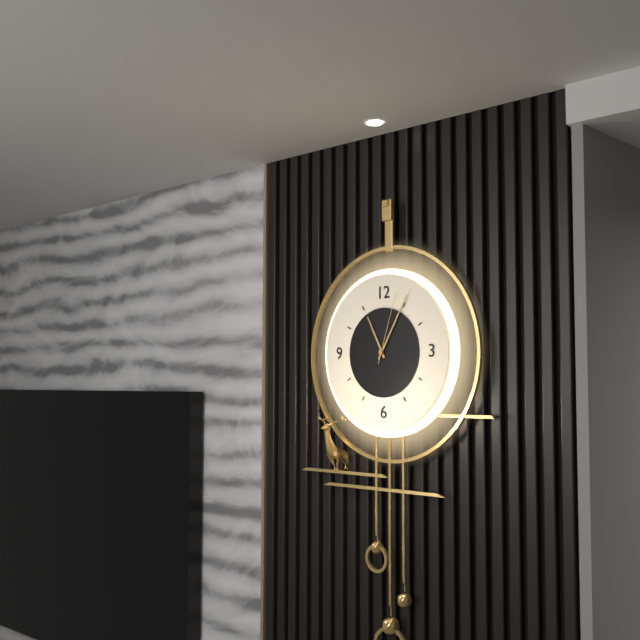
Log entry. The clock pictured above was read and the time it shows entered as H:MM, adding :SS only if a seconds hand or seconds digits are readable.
11:05:03
